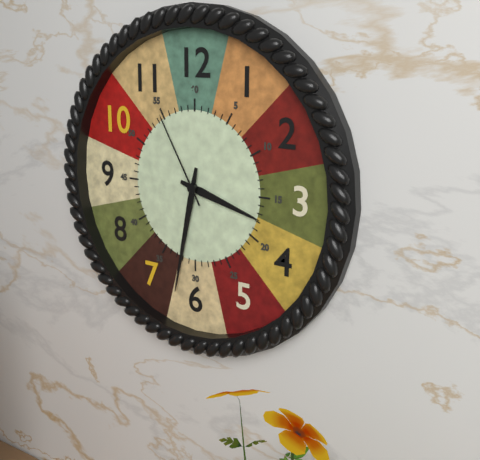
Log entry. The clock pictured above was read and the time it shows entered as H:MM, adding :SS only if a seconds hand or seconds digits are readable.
3:32:55
